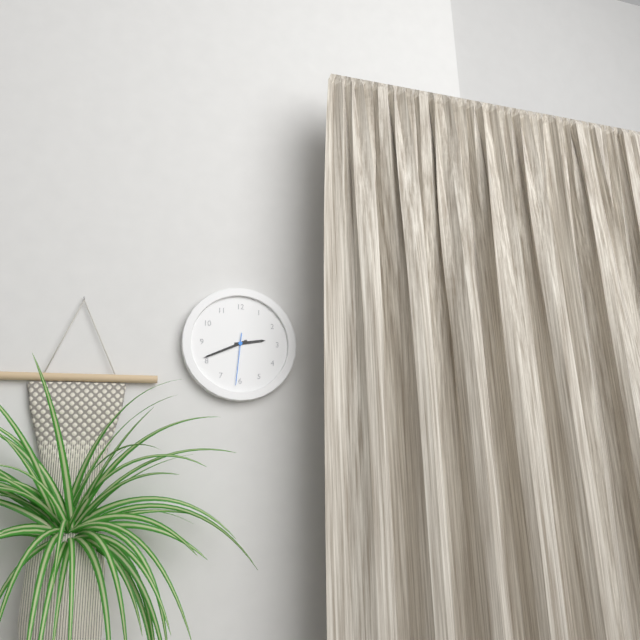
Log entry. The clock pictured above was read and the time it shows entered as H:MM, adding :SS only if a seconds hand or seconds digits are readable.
2:41:31
